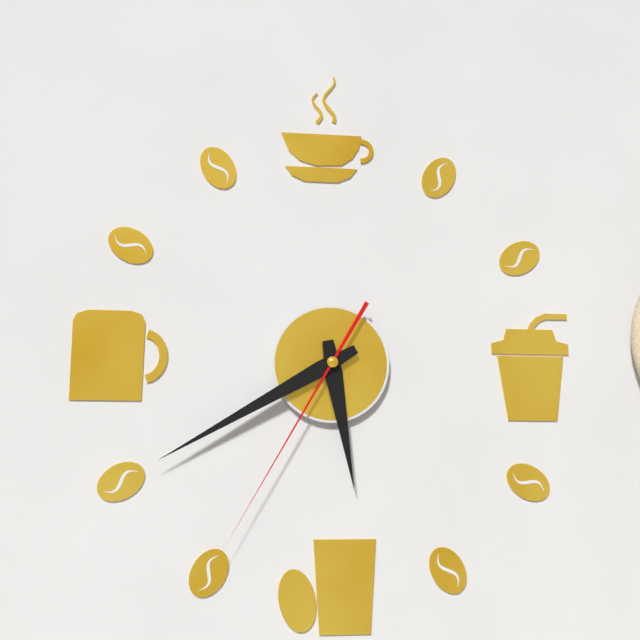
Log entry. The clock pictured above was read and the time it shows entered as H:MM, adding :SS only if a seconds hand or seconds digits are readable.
5:40:35
